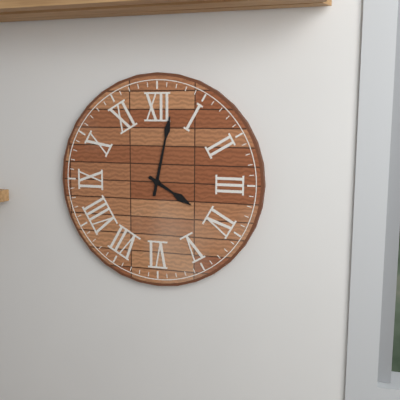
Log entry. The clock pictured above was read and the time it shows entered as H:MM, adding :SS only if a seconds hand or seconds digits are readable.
4:02
